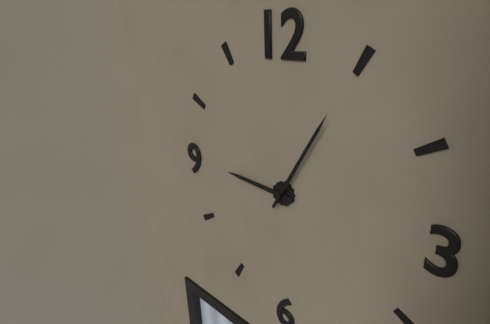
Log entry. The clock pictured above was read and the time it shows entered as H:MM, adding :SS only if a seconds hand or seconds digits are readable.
9:05
